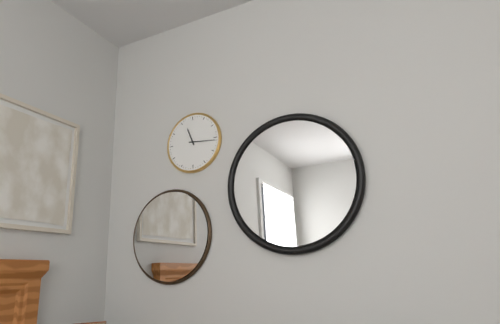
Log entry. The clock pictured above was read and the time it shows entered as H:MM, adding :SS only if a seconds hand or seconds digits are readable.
11:16
